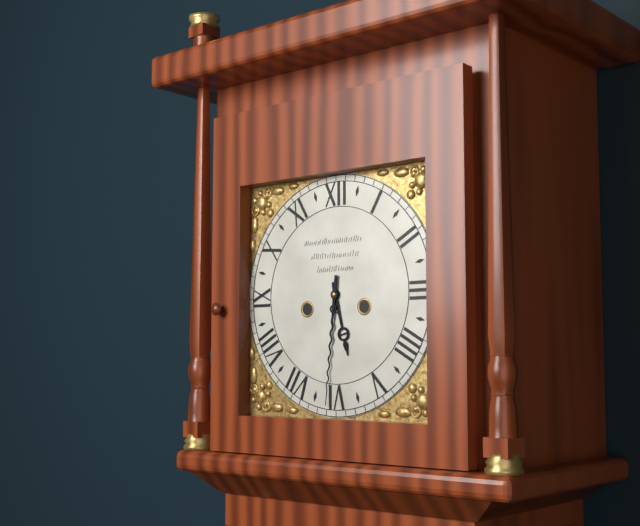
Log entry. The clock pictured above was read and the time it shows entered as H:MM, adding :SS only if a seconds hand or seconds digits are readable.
5:31
